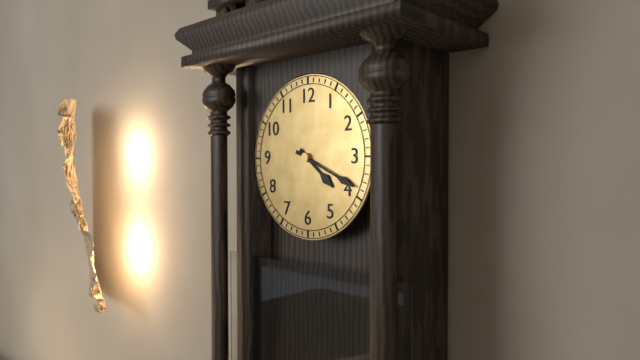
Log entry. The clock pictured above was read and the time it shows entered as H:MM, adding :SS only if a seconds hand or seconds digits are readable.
4:19
